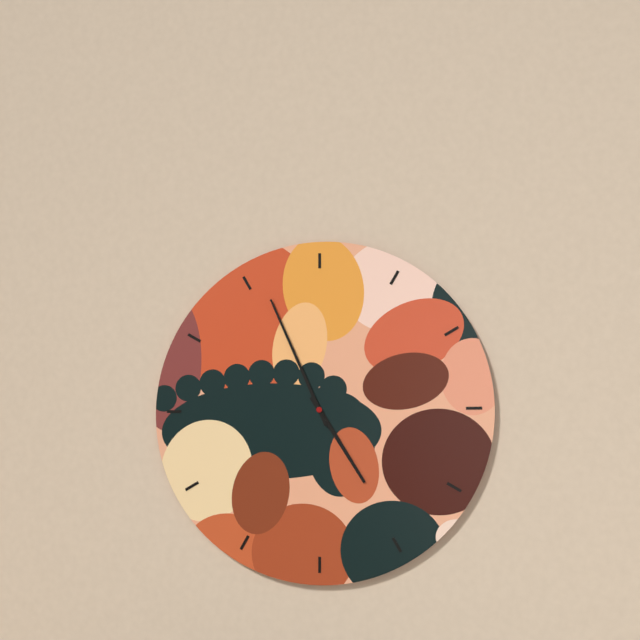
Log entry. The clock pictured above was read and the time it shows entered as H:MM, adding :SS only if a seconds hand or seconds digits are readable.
4:56
